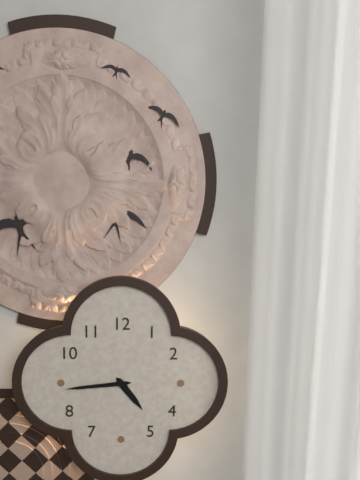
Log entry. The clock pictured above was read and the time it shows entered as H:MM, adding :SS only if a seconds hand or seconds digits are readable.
4:44
